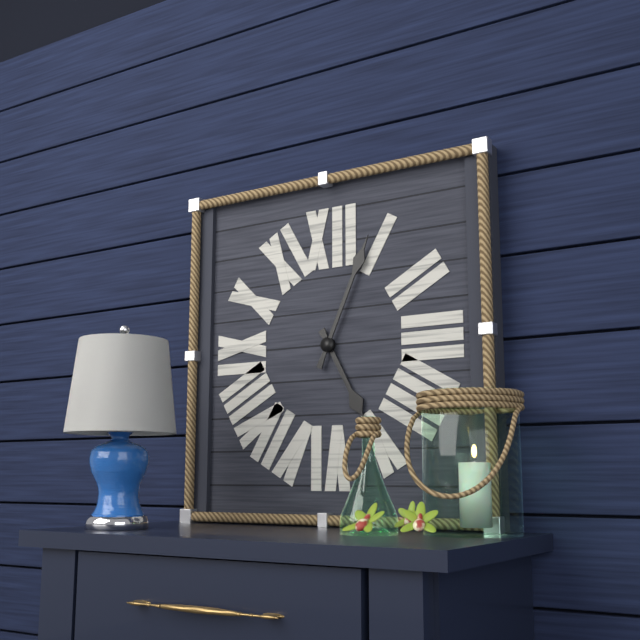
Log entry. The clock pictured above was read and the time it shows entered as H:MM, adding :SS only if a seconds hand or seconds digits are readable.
5:04
